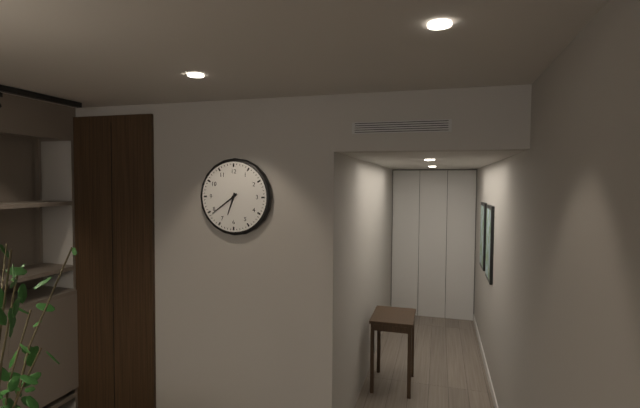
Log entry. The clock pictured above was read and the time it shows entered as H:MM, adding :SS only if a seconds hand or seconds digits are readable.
6:39
